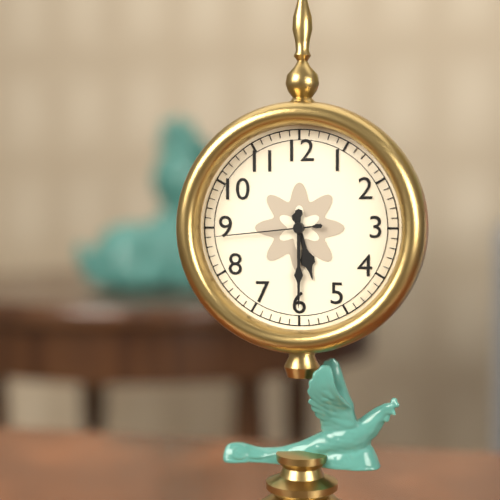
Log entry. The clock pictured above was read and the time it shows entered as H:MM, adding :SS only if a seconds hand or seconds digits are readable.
5:30:44
